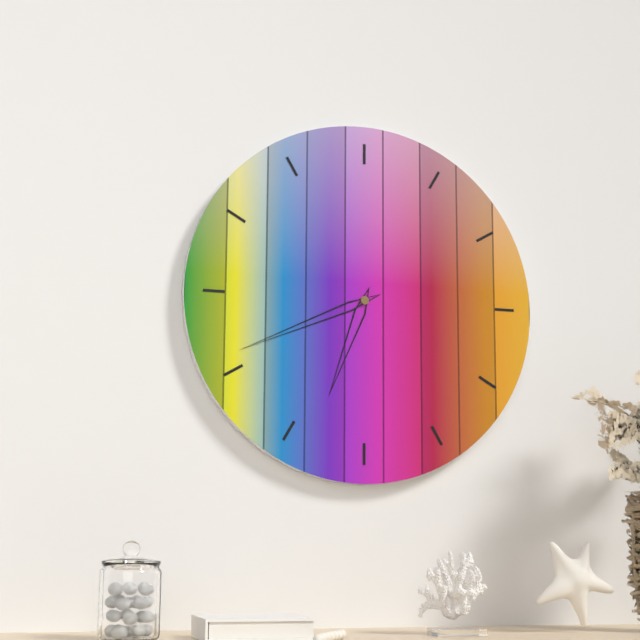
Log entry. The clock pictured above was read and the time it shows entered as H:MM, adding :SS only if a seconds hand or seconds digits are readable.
6:41
